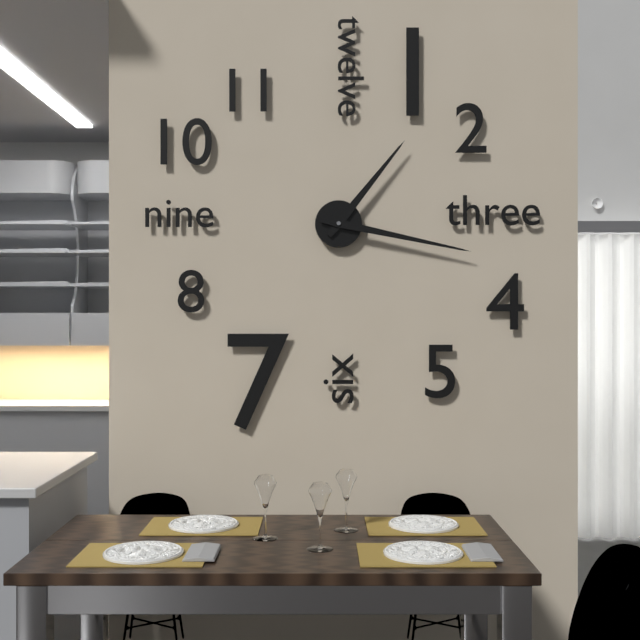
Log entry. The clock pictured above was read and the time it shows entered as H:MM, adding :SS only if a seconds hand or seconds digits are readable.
1:17
